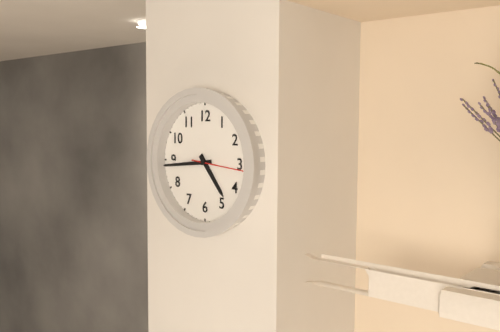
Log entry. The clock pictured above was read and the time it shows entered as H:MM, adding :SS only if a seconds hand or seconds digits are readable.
4:44:16
